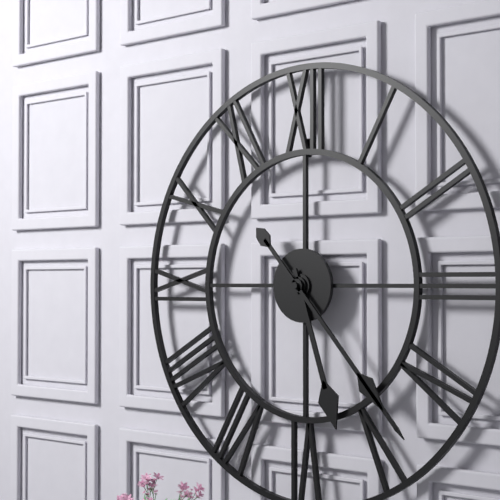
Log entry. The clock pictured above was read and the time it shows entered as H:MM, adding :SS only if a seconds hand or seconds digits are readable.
5:23
